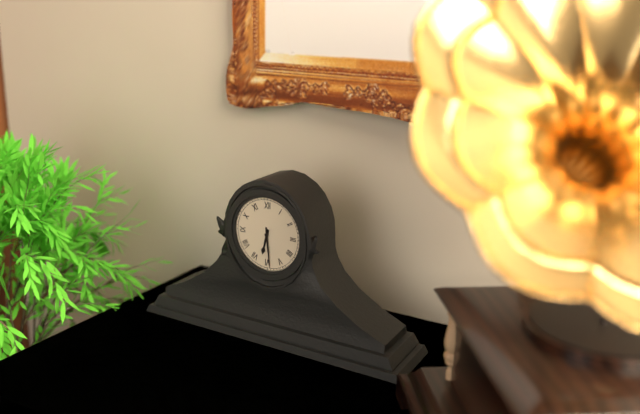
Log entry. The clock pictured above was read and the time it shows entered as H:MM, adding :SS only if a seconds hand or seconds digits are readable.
6:29
